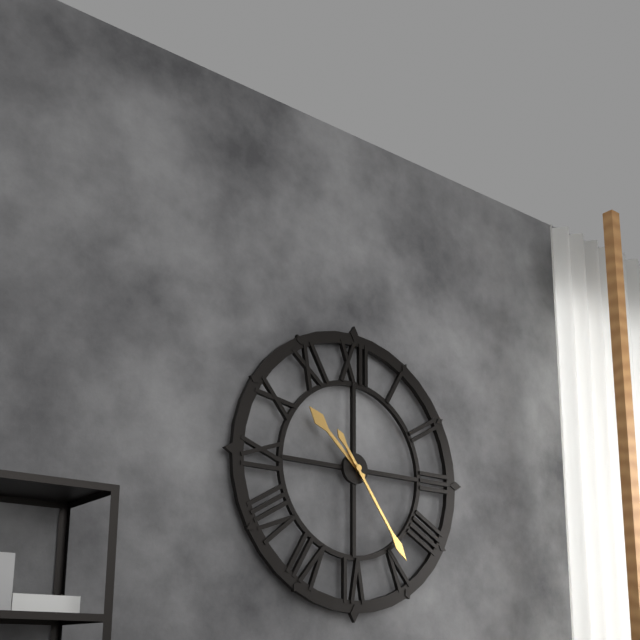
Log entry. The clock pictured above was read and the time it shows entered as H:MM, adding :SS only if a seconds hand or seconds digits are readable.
10:24
